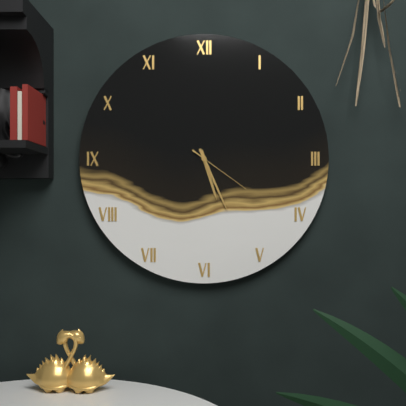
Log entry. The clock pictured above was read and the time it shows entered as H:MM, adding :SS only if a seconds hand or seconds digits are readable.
5:26:21
